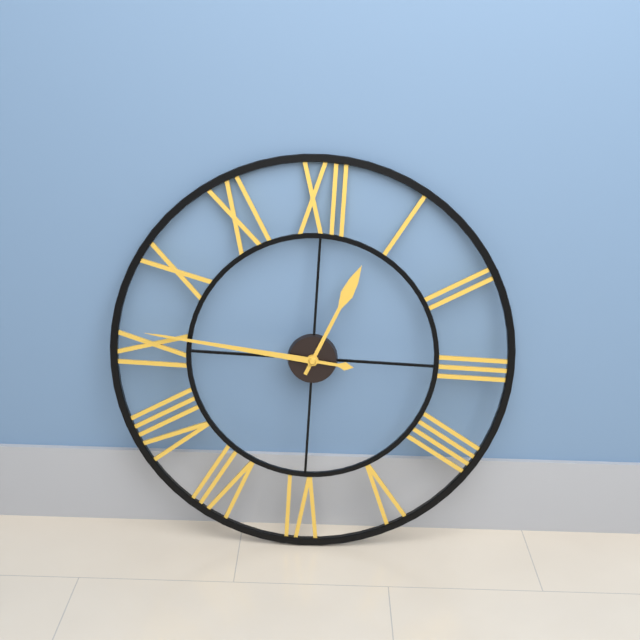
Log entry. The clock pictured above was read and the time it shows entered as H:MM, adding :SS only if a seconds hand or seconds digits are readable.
12:46
